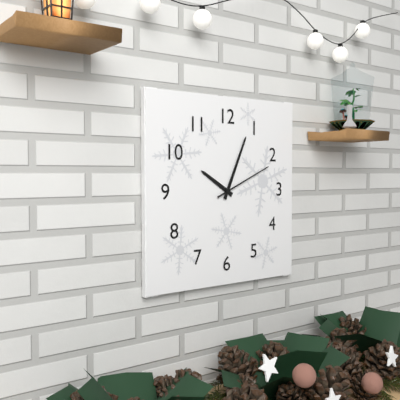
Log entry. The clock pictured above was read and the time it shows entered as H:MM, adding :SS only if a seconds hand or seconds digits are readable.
10:04:11
